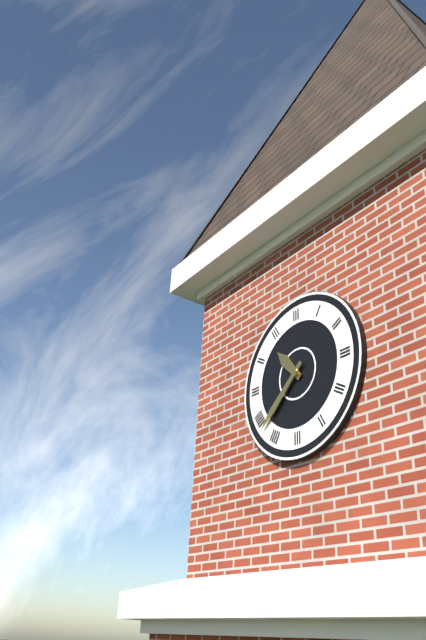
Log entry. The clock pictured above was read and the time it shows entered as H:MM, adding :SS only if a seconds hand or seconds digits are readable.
10:38
